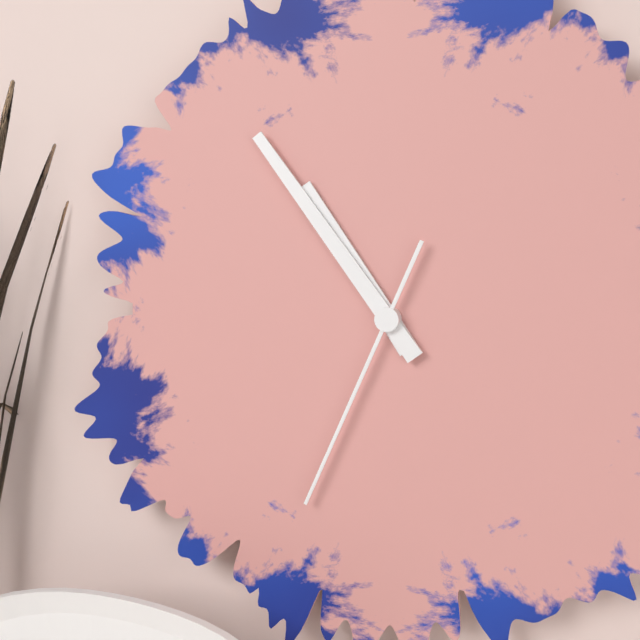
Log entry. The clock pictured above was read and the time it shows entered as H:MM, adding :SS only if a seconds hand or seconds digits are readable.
10:54:34
